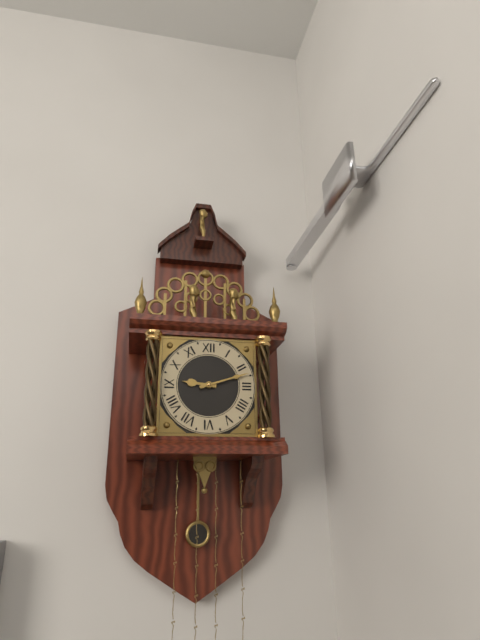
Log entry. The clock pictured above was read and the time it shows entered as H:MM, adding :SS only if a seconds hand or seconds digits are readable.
9:12
